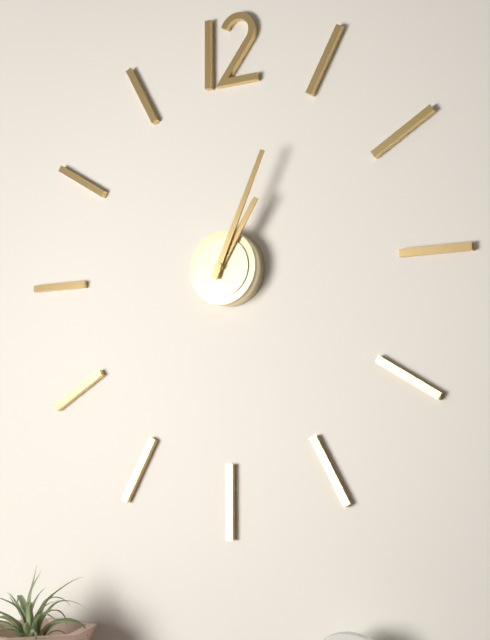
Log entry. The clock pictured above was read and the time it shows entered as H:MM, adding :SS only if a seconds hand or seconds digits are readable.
1:04
